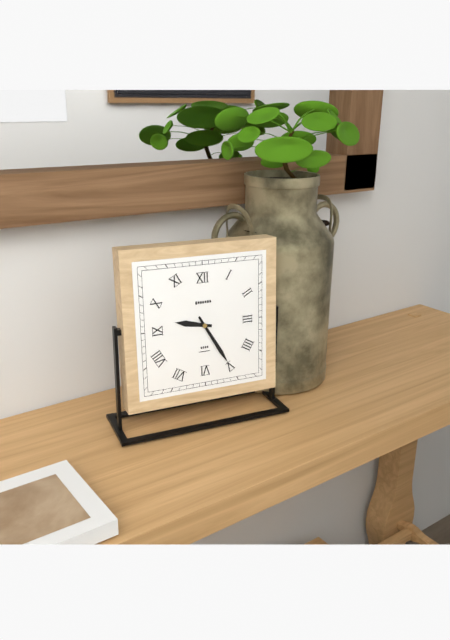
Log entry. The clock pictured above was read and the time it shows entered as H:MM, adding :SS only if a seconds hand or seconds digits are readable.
9:25
